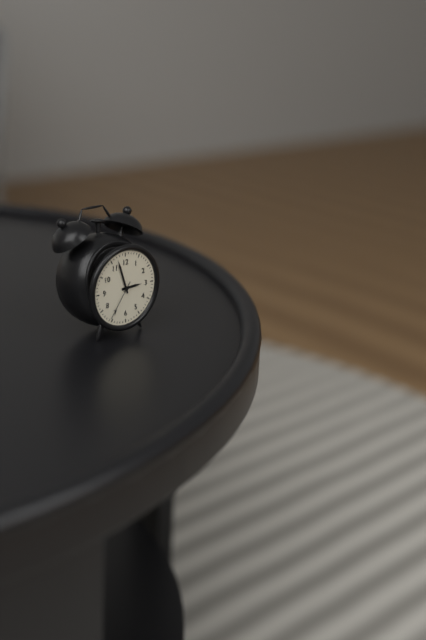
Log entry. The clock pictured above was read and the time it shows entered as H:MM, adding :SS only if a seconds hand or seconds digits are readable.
2:57
